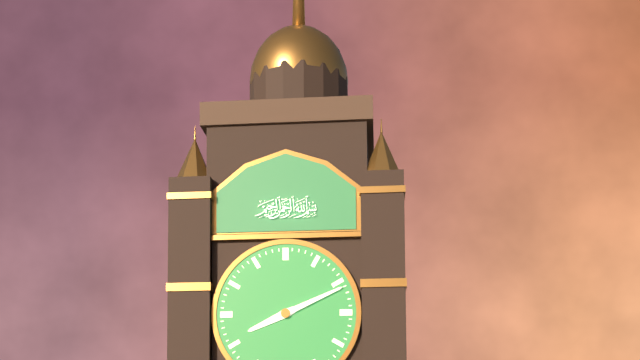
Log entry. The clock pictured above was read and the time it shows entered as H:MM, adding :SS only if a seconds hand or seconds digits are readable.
8:11
